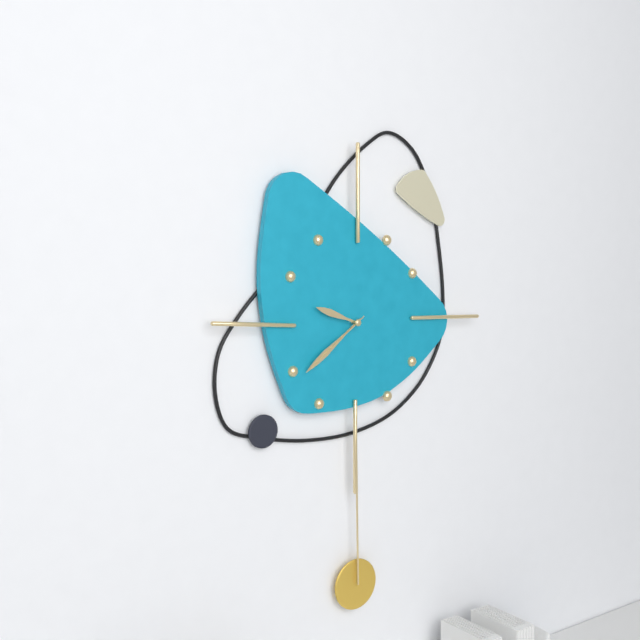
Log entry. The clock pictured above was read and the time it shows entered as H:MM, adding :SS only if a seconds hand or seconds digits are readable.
9:39:39
